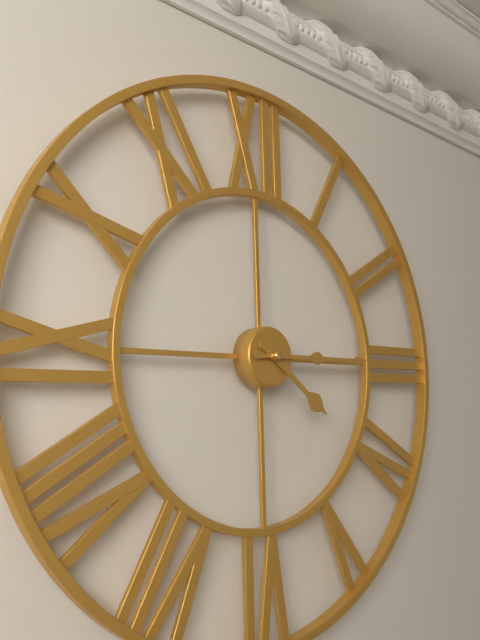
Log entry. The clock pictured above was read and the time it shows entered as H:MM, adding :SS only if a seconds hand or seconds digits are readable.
4:15
